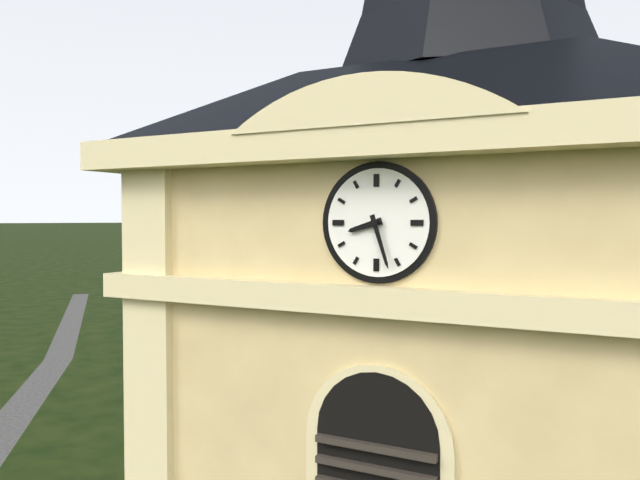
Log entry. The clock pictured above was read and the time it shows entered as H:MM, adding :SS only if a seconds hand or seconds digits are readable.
8:27
